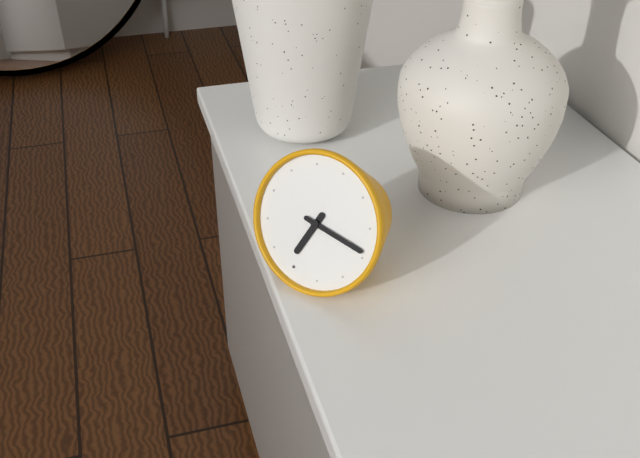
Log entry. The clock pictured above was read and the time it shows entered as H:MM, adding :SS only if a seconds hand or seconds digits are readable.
6:14
